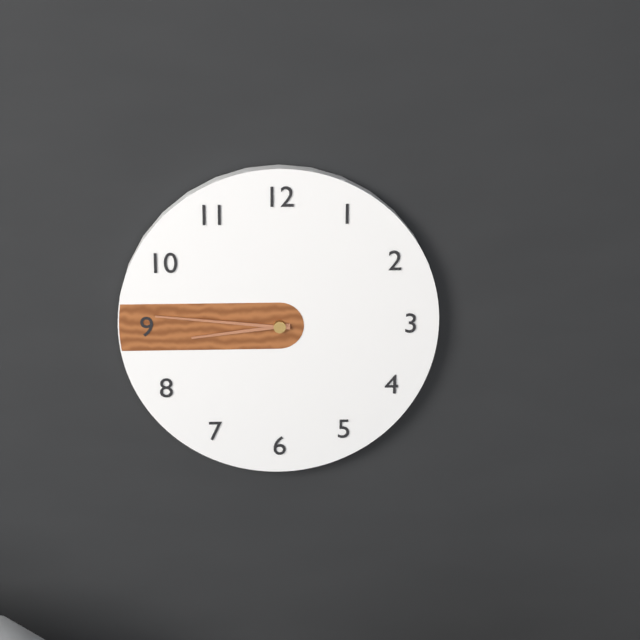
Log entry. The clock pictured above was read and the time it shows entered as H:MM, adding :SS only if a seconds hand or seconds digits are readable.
8:46
